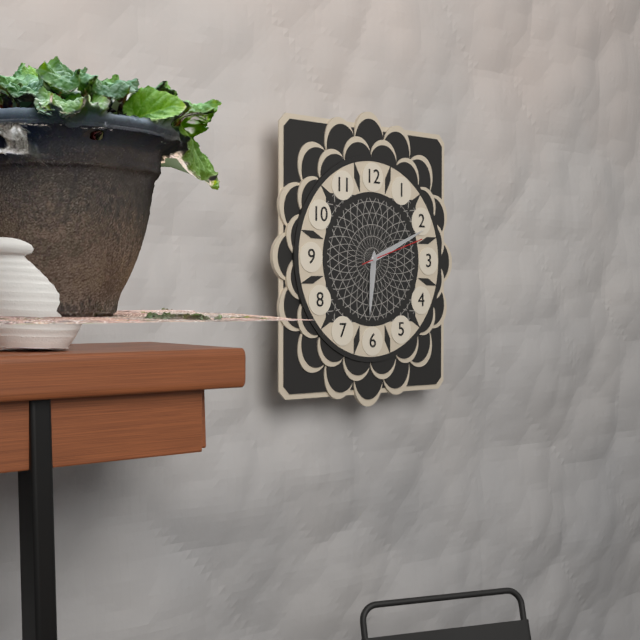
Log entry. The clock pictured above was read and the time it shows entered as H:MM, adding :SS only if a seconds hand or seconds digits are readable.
6:11:12
